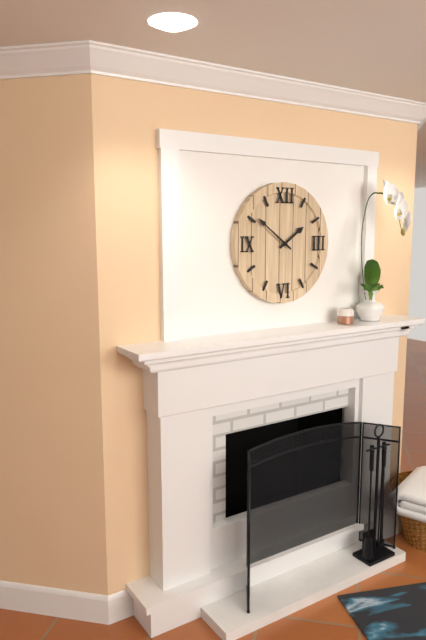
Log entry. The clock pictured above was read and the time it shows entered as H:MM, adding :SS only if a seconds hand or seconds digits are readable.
1:51
